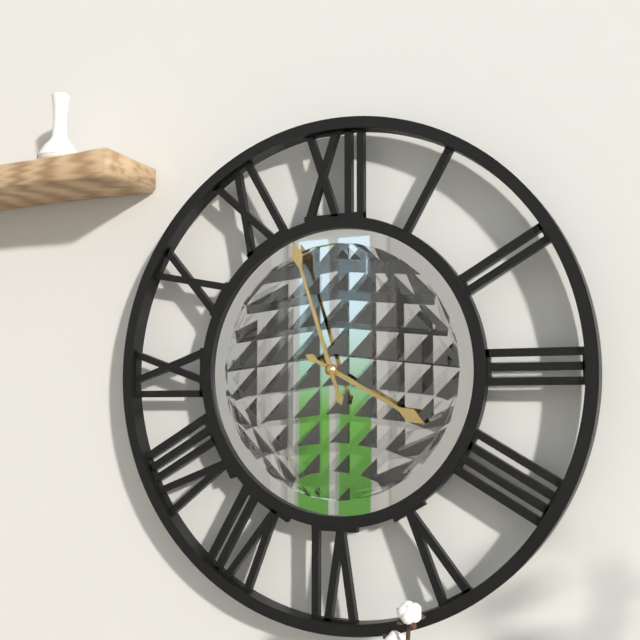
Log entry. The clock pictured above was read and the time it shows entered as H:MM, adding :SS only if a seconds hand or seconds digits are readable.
3:57
